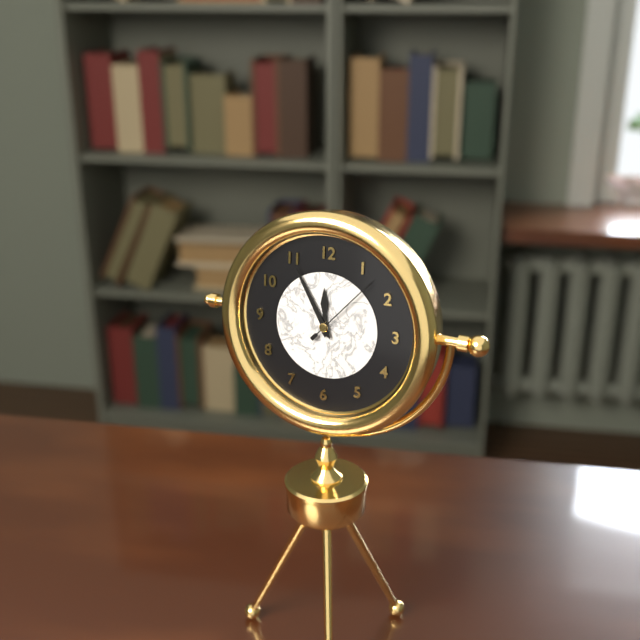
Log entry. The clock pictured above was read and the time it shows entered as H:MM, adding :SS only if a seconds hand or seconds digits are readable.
11:55:07
